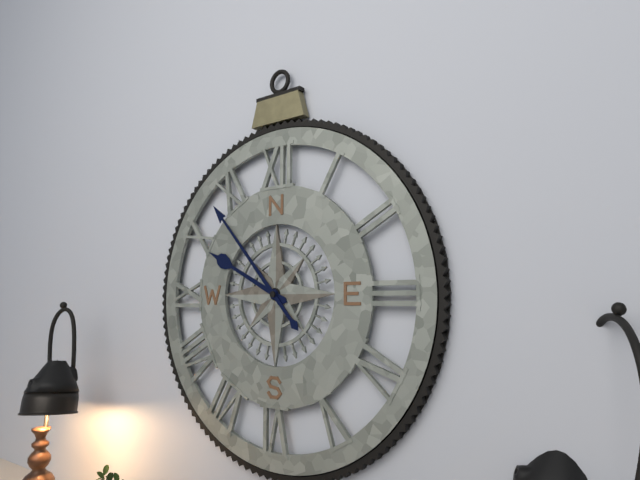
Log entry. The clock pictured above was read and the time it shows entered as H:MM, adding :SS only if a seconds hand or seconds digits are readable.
9:53
